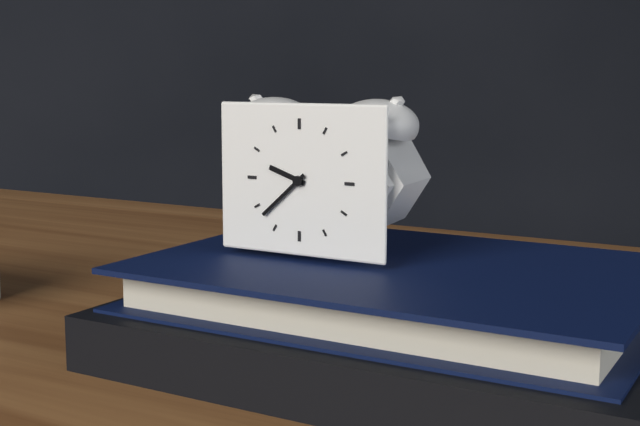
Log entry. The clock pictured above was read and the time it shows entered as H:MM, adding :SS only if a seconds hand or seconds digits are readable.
9:38
